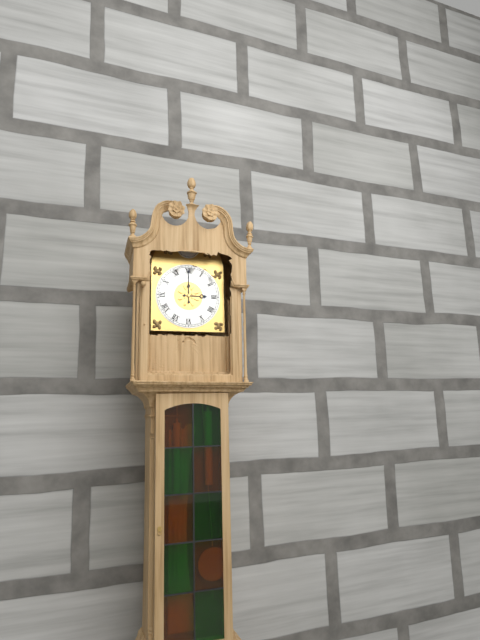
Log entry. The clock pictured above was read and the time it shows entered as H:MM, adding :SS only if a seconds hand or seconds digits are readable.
3:00
